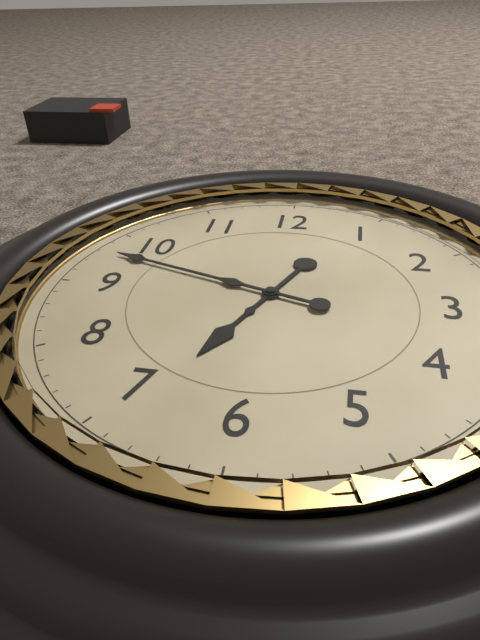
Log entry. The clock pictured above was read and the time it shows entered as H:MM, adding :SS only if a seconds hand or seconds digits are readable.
6:48
